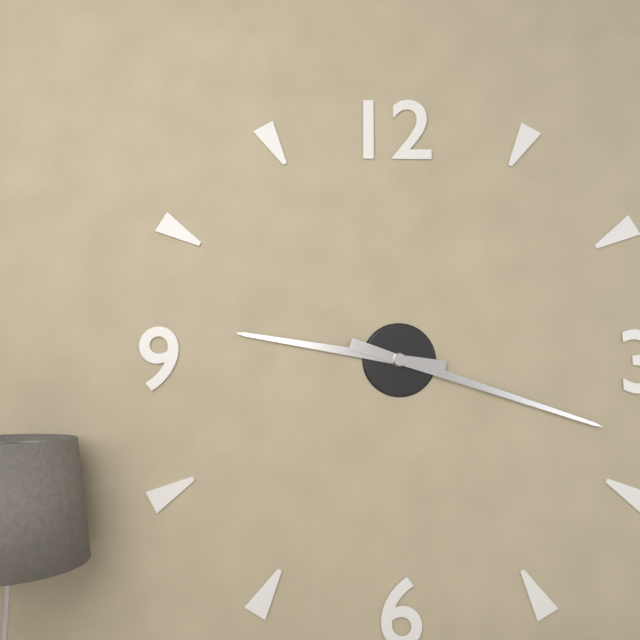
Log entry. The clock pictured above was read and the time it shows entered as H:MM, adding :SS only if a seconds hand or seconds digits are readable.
9:18
